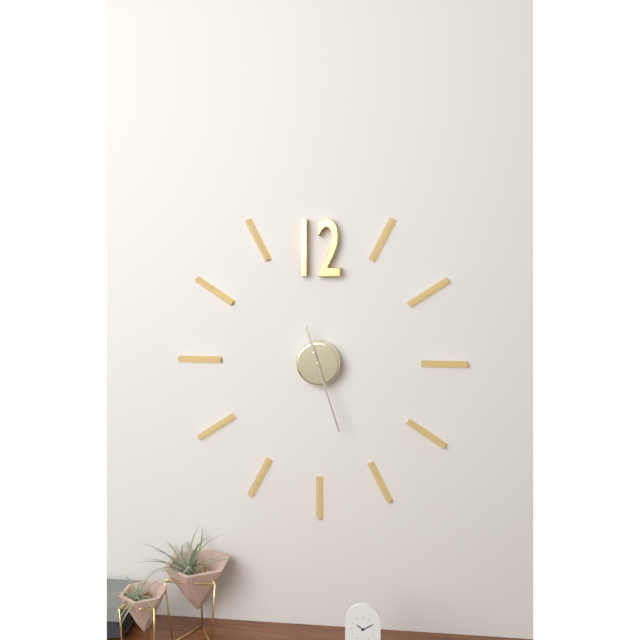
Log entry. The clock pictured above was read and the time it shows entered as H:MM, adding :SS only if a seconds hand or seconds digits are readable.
11:27
